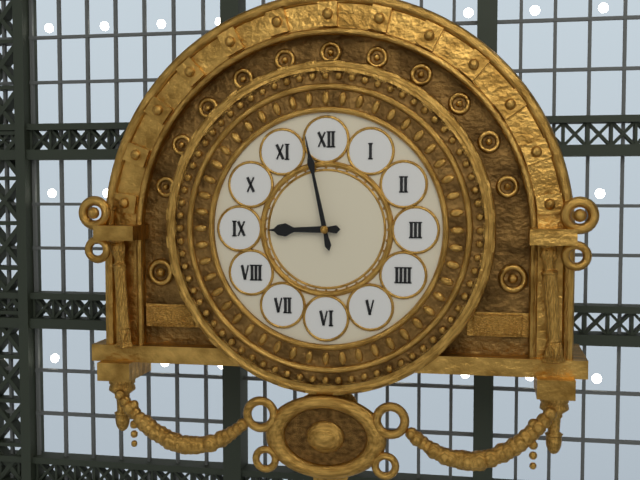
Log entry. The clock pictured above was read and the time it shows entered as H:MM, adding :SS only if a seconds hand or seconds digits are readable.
8:58
